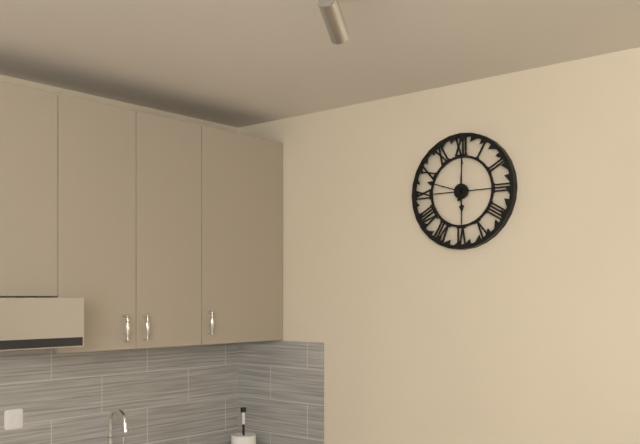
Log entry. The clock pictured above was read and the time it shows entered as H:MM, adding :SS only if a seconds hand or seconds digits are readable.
5:48
